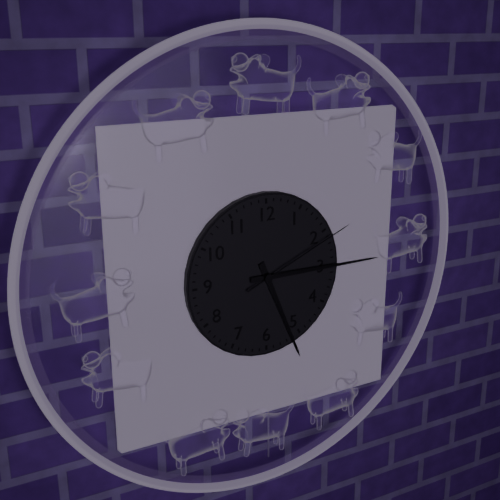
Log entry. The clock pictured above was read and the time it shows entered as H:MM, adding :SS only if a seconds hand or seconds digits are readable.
5:15:11
